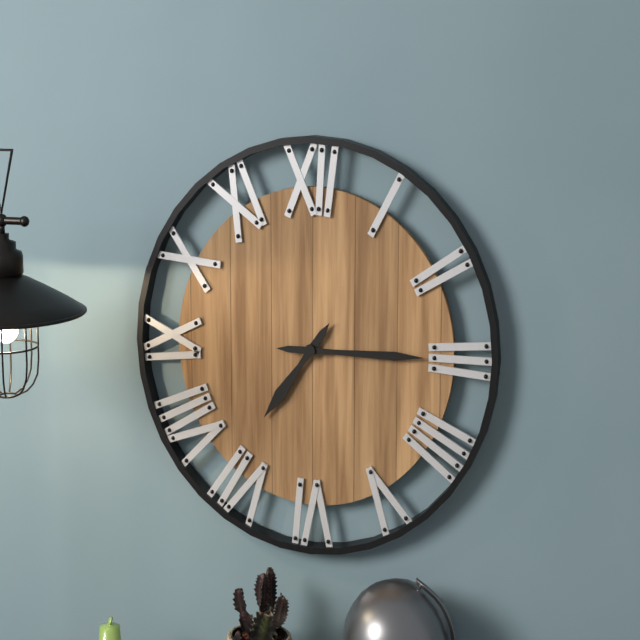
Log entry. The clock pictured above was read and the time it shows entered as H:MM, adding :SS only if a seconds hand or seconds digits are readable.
7:15
